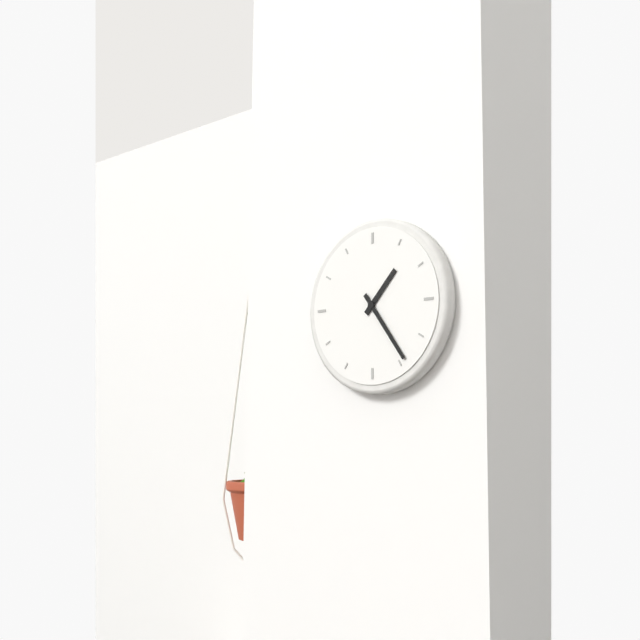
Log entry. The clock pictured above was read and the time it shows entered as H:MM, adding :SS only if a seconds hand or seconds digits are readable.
1:24
